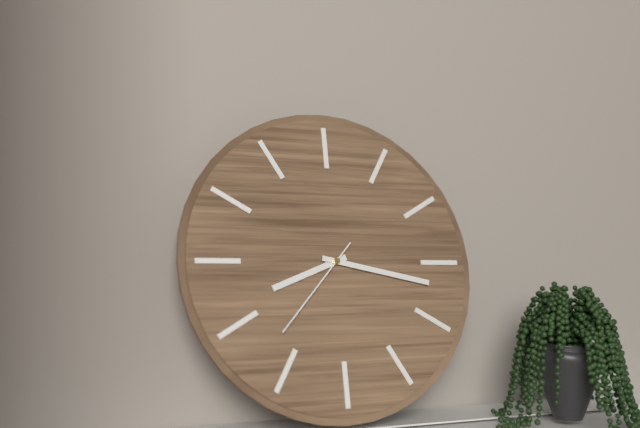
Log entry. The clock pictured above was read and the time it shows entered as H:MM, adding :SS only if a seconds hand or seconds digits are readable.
8:17:37
